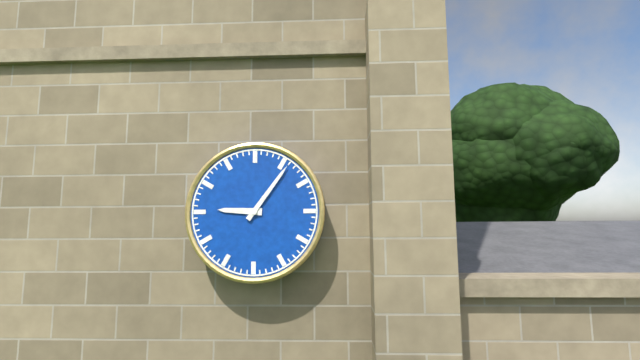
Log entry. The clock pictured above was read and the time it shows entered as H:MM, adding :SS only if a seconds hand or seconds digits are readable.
9:06
